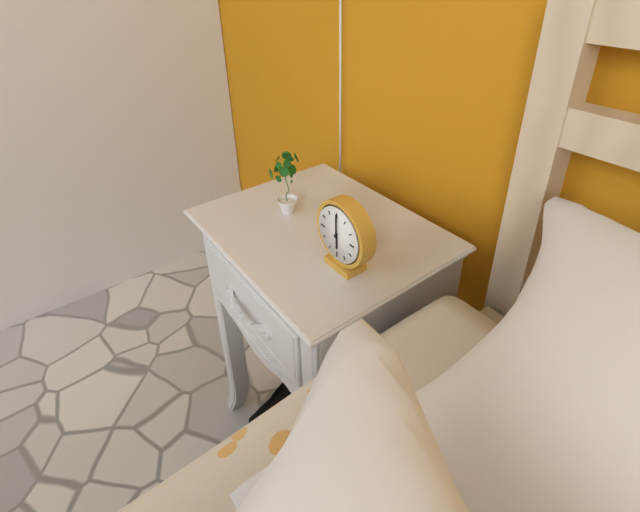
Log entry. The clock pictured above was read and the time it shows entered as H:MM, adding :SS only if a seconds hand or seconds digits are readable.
6:00
